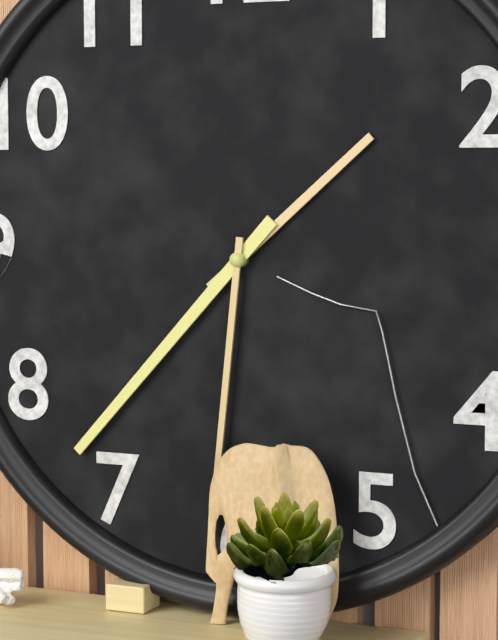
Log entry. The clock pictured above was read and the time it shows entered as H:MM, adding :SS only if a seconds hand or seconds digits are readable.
1:37:31
